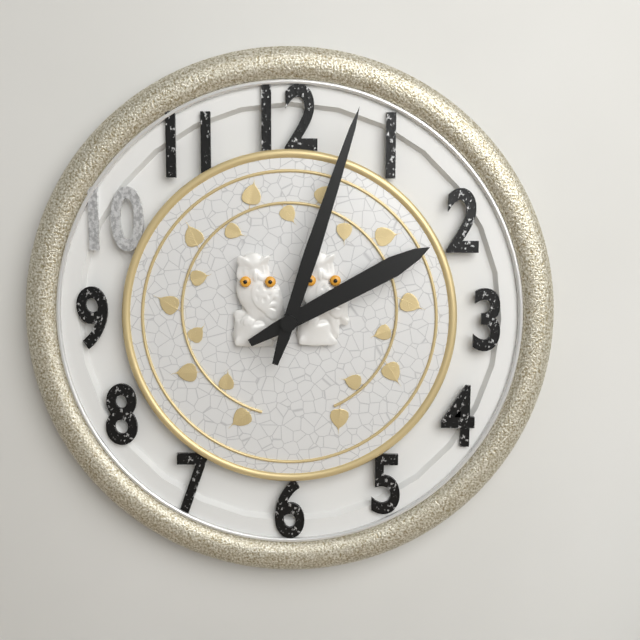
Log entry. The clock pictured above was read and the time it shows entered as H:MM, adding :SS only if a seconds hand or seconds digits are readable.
2:03
